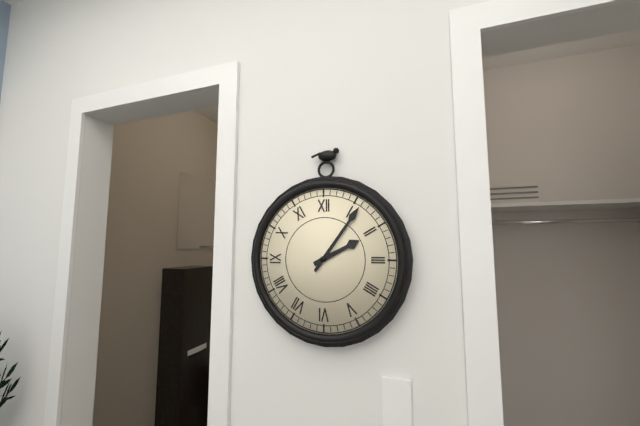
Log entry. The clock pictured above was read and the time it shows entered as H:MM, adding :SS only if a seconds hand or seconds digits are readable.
2:06
